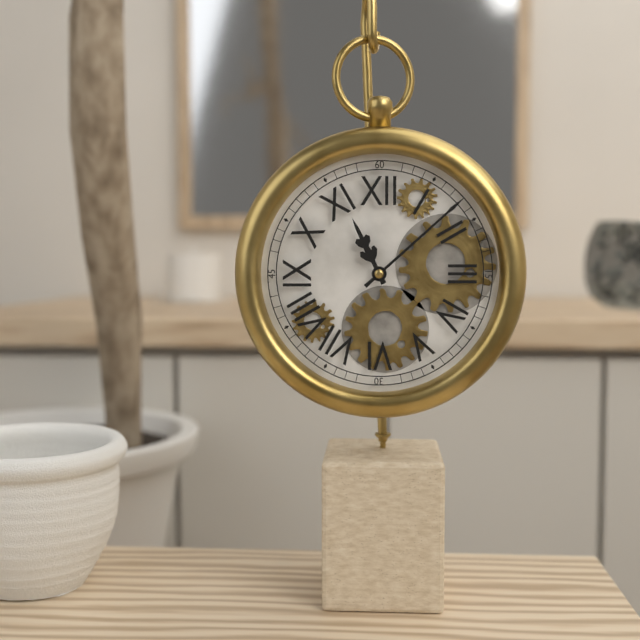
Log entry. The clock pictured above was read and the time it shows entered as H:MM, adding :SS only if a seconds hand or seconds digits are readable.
11:08
